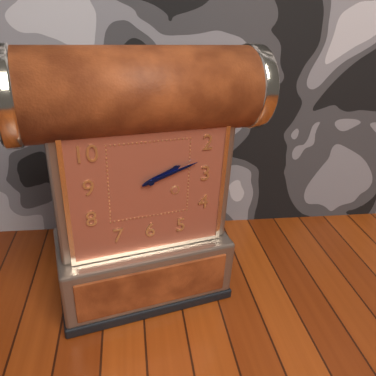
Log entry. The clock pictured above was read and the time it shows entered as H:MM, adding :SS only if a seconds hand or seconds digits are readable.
2:12
